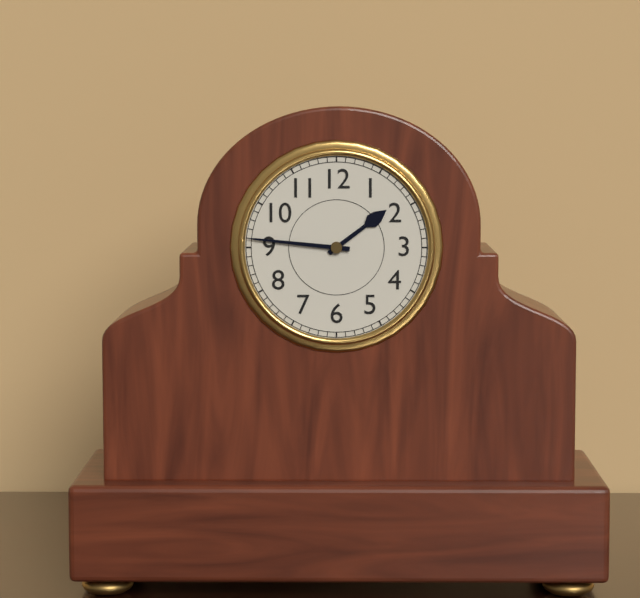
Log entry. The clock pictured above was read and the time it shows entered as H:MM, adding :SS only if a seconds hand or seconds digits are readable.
1:46
